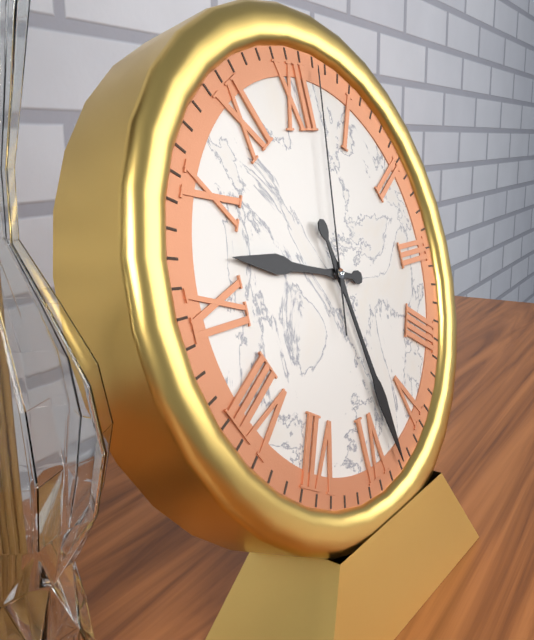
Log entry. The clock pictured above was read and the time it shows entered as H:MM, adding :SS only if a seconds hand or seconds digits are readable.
9:28:02
